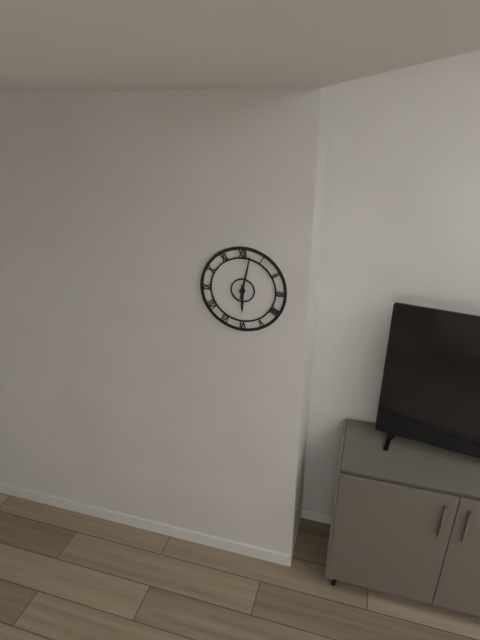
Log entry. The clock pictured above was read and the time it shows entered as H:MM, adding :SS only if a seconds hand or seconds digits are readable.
6:02
